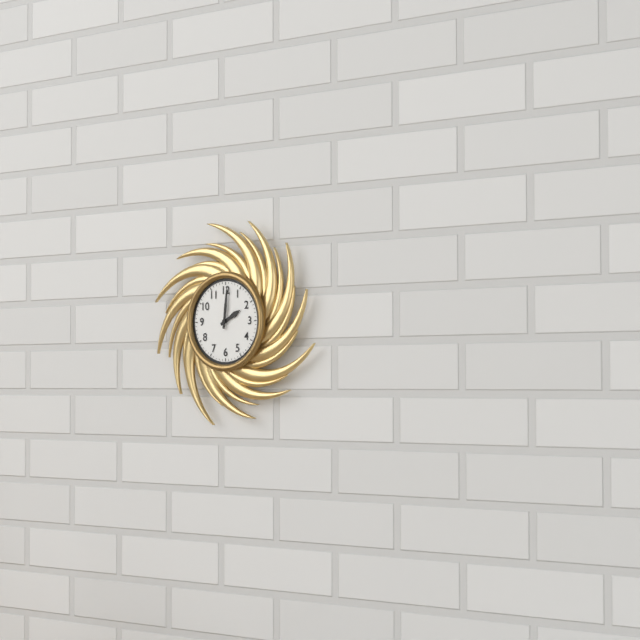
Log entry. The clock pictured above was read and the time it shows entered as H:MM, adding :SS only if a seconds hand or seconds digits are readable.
2:01
